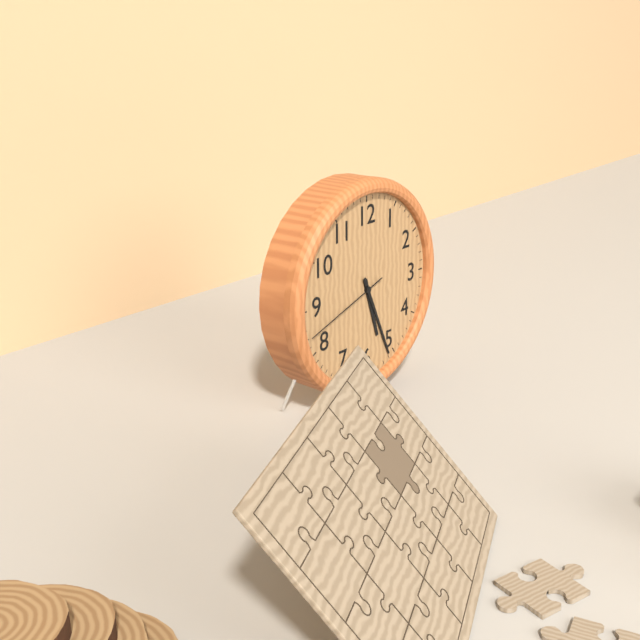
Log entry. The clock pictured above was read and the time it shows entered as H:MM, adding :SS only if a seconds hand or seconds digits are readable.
5:26:42
